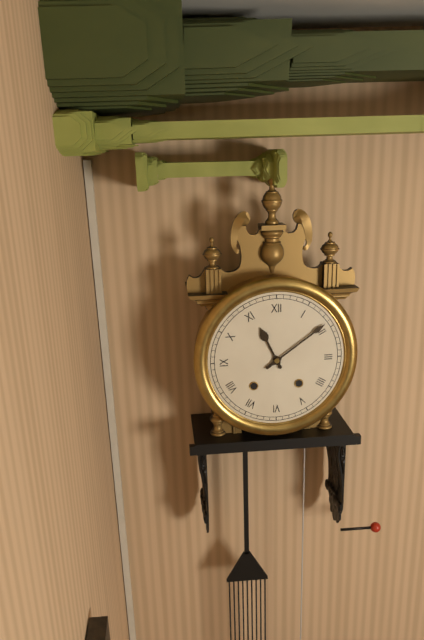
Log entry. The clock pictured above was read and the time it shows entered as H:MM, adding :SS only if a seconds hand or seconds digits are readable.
11:09
